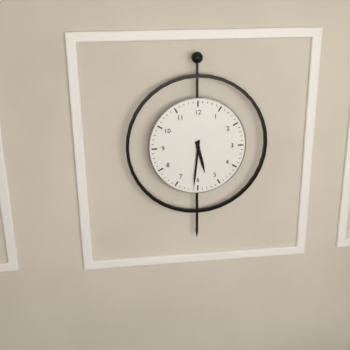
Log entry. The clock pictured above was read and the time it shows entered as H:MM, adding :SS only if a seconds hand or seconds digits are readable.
5:31
